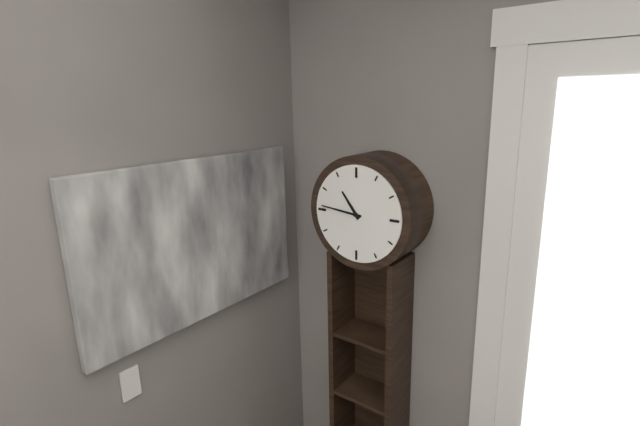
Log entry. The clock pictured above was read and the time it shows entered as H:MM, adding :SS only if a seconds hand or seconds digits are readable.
10:46
